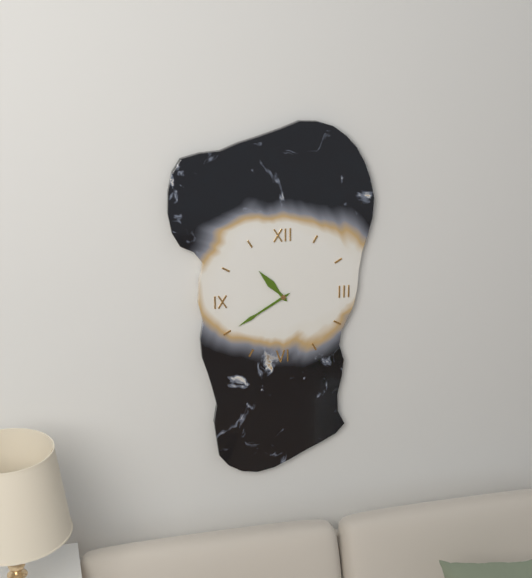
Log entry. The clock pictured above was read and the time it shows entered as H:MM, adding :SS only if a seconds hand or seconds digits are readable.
10:40
